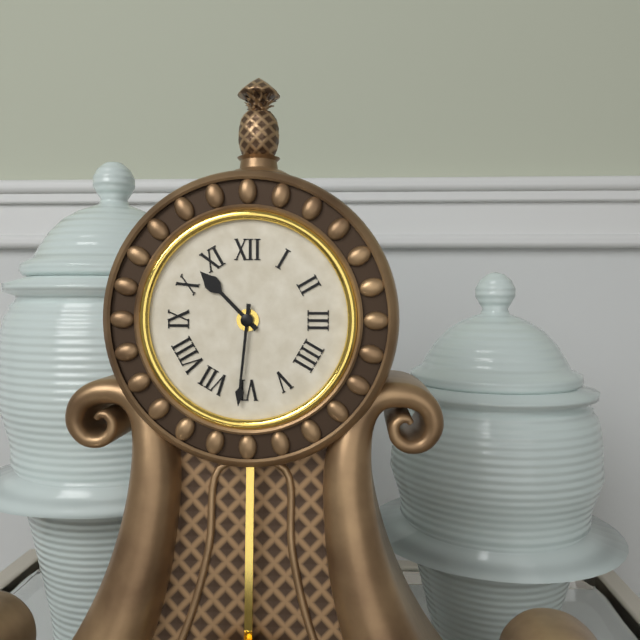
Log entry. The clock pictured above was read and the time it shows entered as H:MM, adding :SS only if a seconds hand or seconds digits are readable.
10:31
